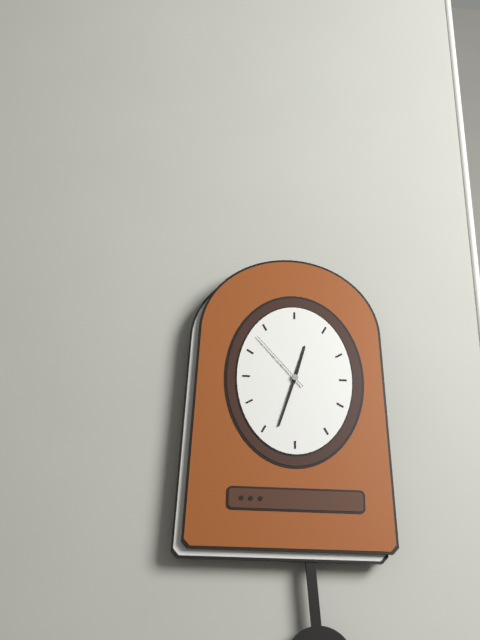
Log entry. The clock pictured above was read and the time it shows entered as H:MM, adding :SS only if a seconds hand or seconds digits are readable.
12:33:53
